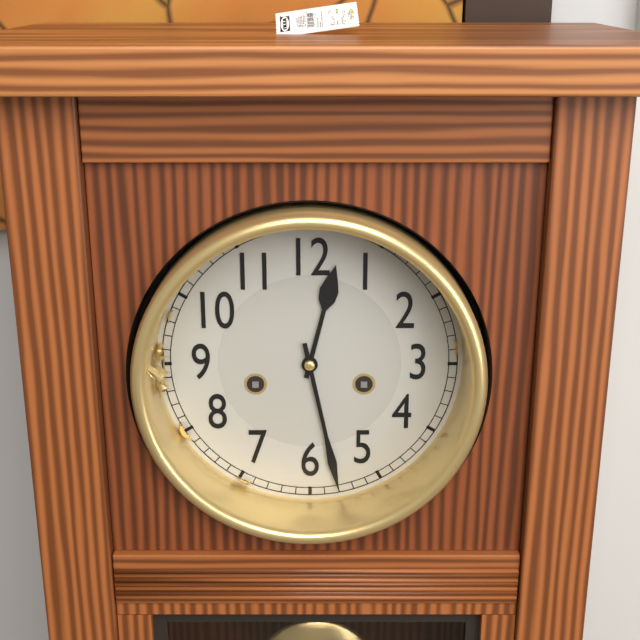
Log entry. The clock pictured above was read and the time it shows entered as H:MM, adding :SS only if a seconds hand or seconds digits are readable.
12:28
